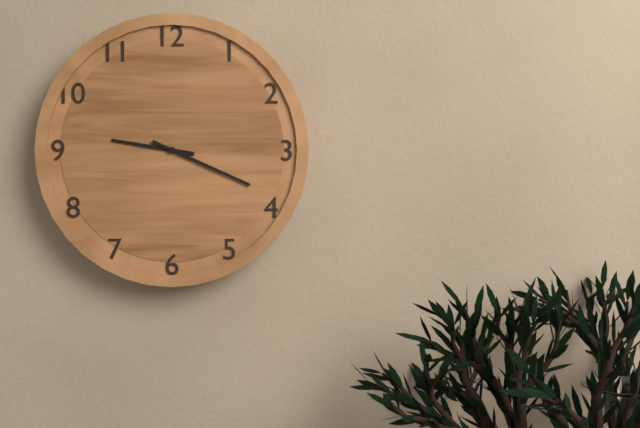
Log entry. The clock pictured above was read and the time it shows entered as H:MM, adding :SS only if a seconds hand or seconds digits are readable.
9:19
